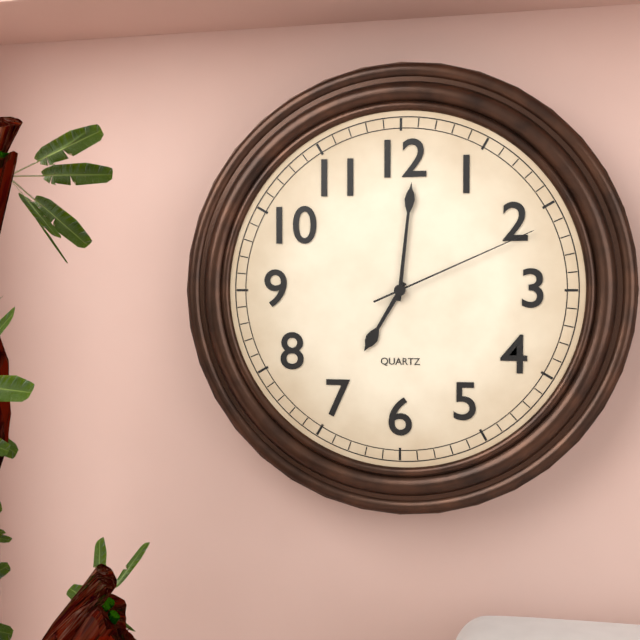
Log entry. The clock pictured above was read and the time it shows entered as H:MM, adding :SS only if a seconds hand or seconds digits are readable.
7:01:11
